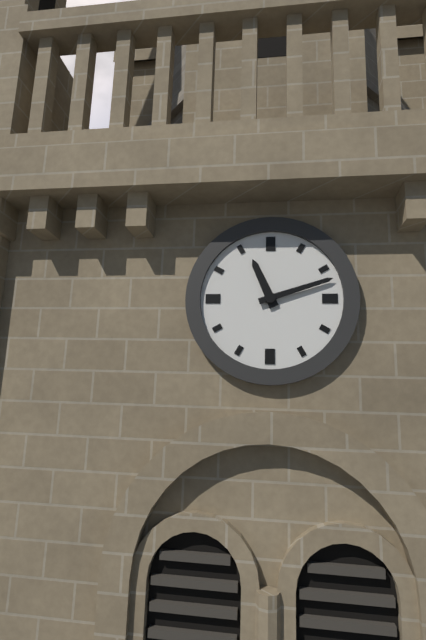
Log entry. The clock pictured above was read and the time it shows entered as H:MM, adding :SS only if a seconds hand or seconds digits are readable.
11:12
